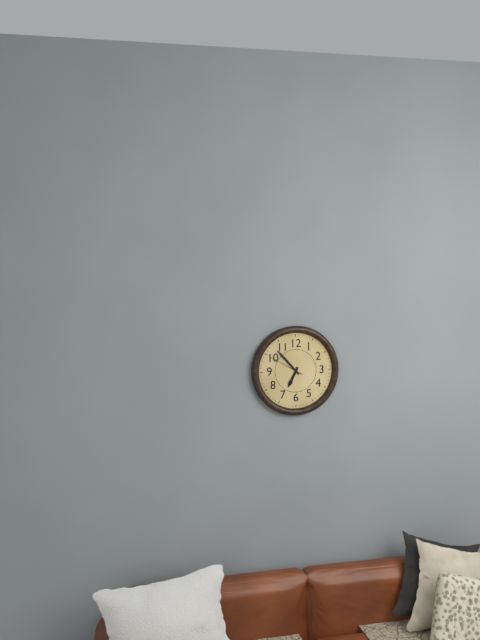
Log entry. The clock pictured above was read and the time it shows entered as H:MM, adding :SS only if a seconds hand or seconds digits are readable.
6:53
